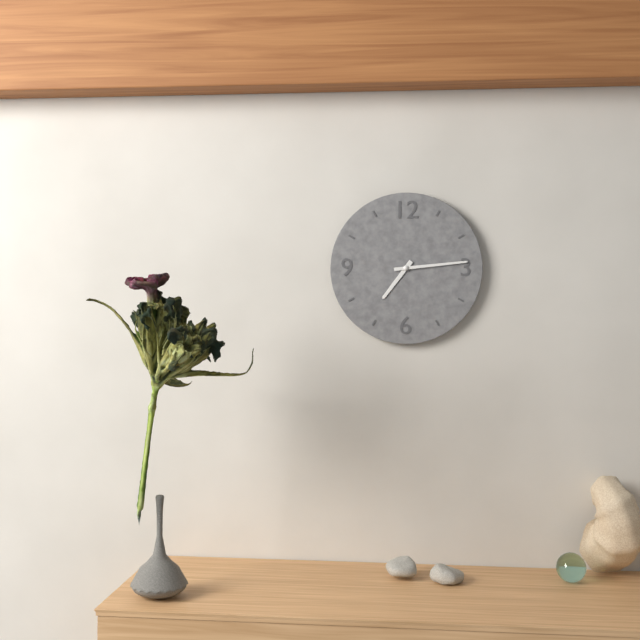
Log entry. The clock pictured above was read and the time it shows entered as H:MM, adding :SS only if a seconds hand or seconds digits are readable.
7:14
